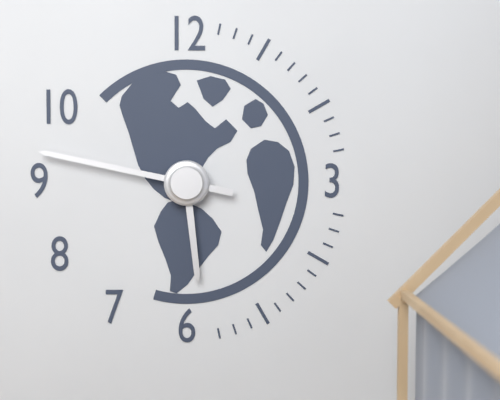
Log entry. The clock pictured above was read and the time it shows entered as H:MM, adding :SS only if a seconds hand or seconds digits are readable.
5:47
